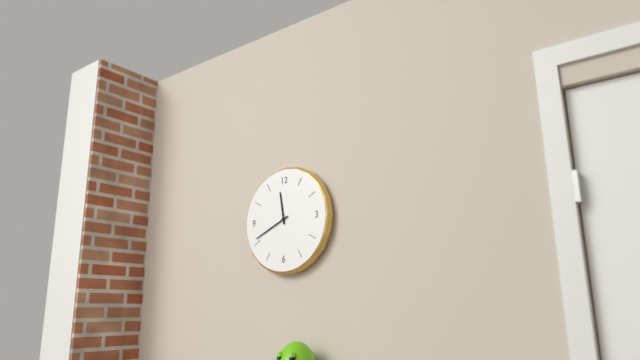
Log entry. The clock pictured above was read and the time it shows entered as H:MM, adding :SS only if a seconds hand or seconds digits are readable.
11:41
